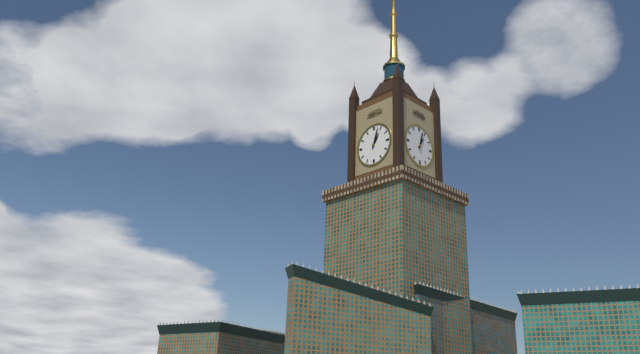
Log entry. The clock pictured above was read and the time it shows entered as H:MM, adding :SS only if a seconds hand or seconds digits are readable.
1:03
